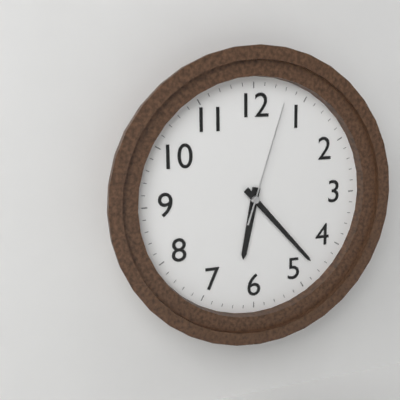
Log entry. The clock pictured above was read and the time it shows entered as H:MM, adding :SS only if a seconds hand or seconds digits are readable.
6:23:03
